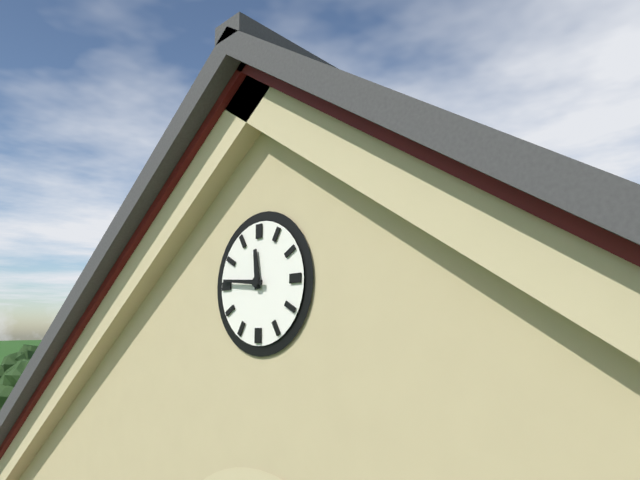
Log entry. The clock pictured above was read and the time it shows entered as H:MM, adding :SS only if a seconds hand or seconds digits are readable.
11:46
